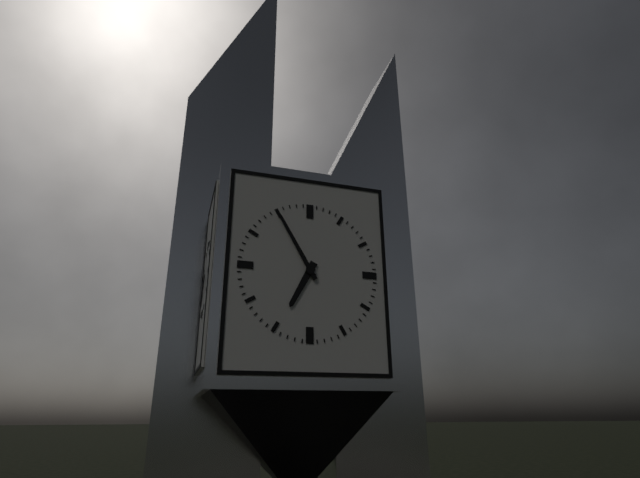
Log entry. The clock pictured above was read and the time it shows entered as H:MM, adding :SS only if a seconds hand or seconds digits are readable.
6:55
